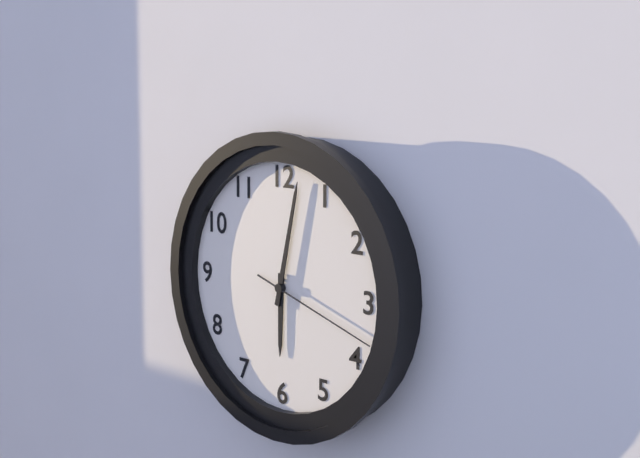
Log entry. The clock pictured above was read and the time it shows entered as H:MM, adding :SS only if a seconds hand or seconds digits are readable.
6:02:18
